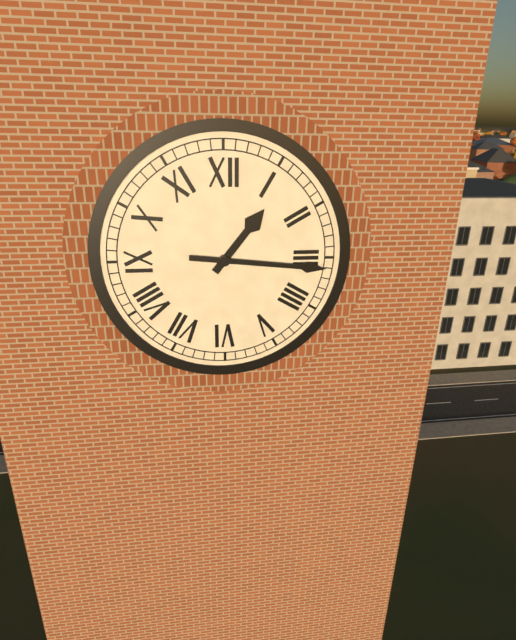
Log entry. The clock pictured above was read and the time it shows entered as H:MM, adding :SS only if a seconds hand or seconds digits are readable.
1:16
